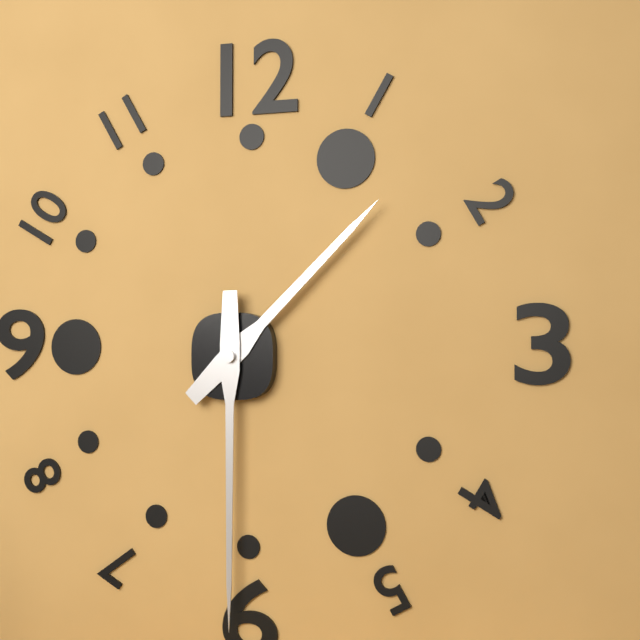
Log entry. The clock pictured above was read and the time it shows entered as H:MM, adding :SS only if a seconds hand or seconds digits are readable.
1:30
